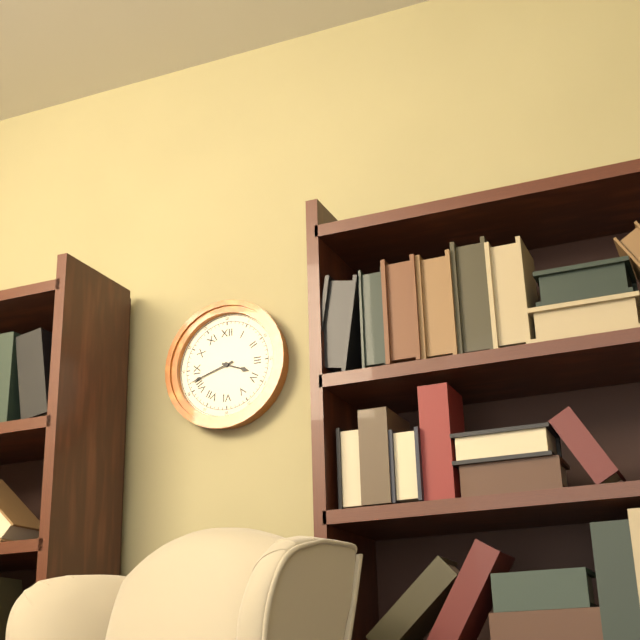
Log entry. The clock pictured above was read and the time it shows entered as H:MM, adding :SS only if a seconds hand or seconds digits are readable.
3:42
